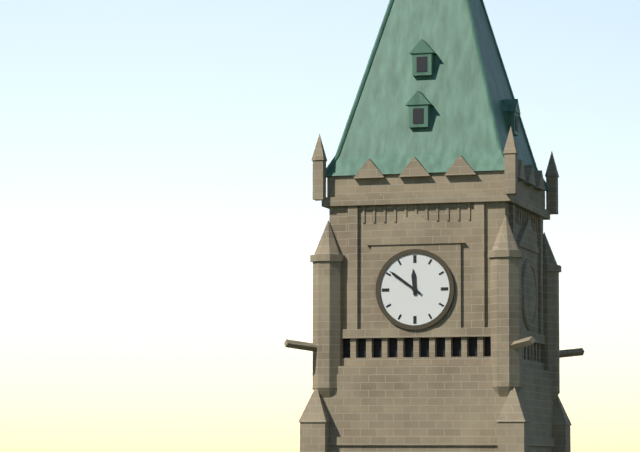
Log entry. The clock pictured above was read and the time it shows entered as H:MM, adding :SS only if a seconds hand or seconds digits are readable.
11:51
